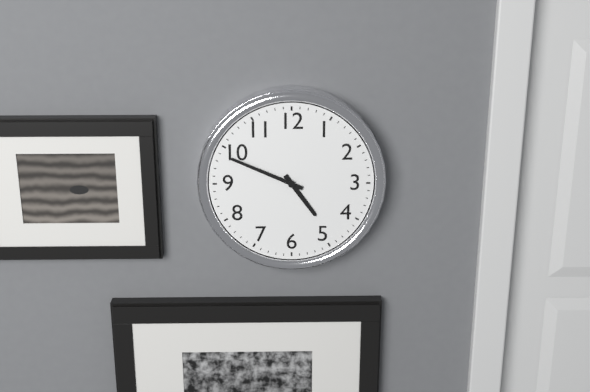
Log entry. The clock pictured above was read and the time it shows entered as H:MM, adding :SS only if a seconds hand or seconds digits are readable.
4:49
